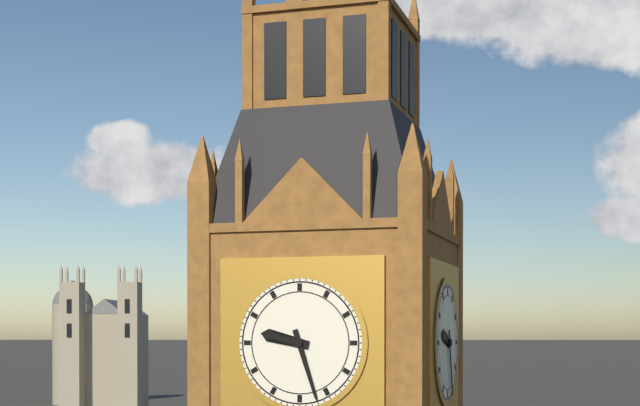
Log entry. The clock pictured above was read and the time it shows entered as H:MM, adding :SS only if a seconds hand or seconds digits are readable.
9:27
